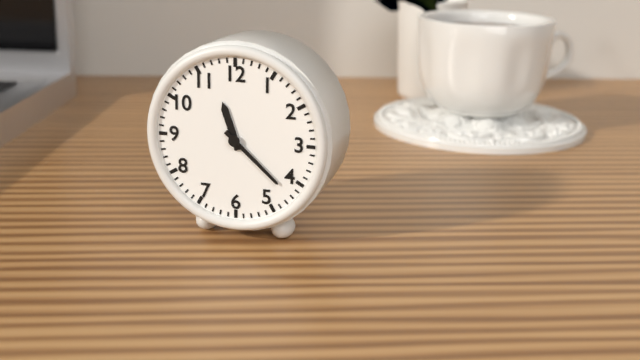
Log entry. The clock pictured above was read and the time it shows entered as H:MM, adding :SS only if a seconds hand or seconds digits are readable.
11:22
